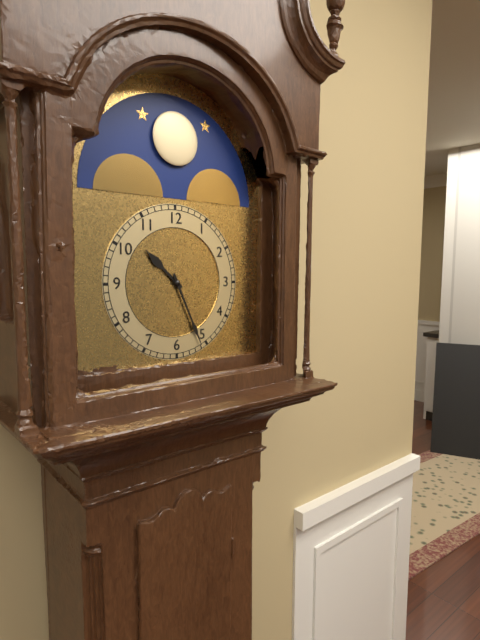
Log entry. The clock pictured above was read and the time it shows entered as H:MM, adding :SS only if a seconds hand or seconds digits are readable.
10:26
